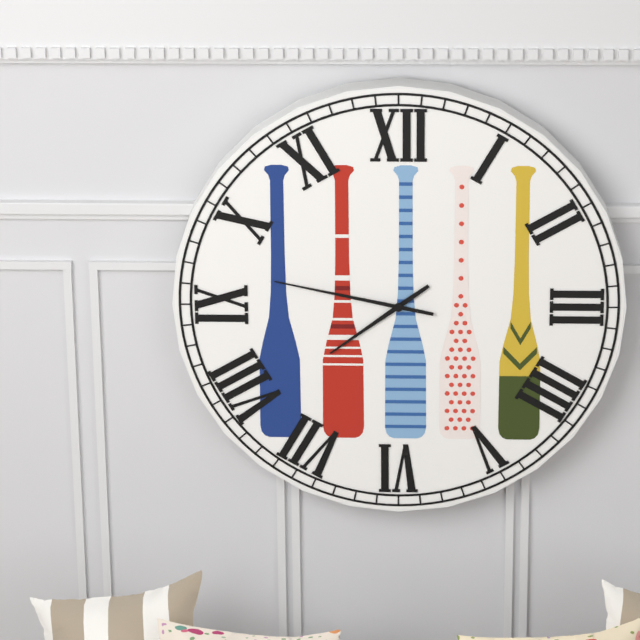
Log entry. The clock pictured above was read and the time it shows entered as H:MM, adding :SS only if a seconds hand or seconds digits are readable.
7:47
